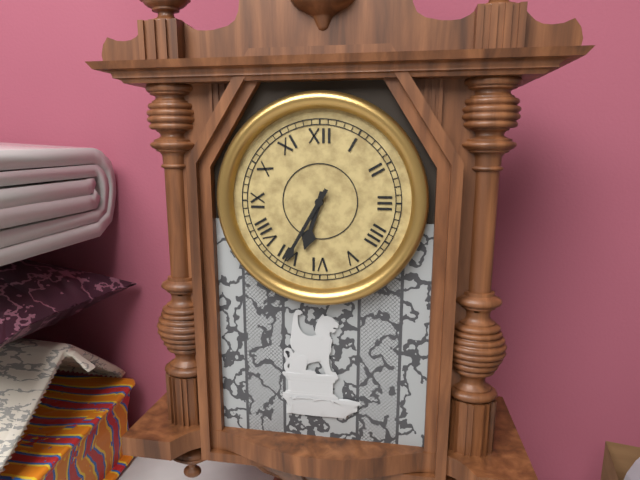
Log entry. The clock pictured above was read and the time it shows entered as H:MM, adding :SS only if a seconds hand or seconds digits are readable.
6:35
